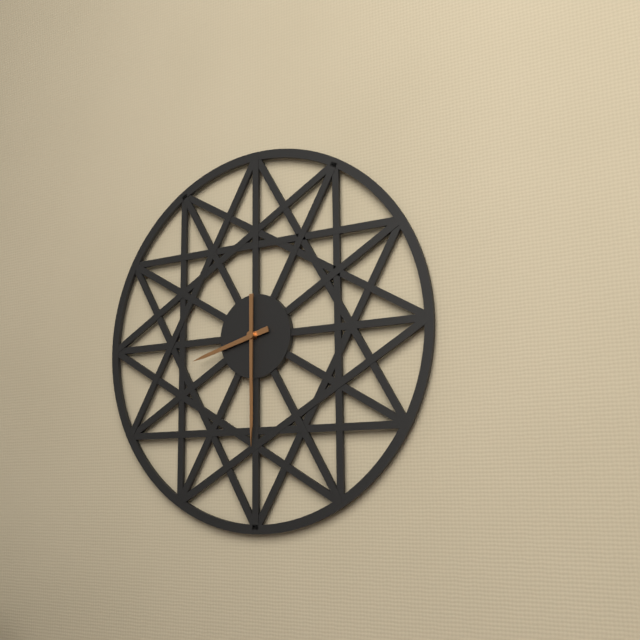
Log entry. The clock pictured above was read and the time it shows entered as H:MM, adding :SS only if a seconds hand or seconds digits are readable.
8:30
